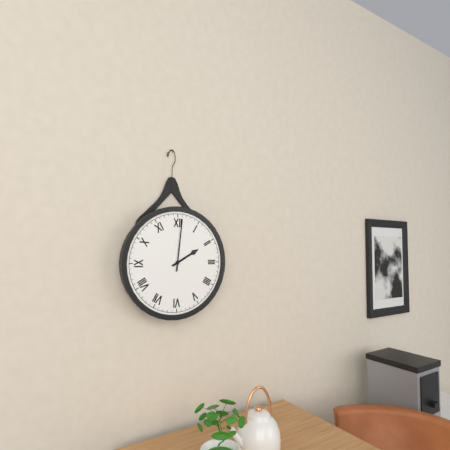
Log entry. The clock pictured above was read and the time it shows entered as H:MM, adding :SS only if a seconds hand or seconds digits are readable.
2:01
